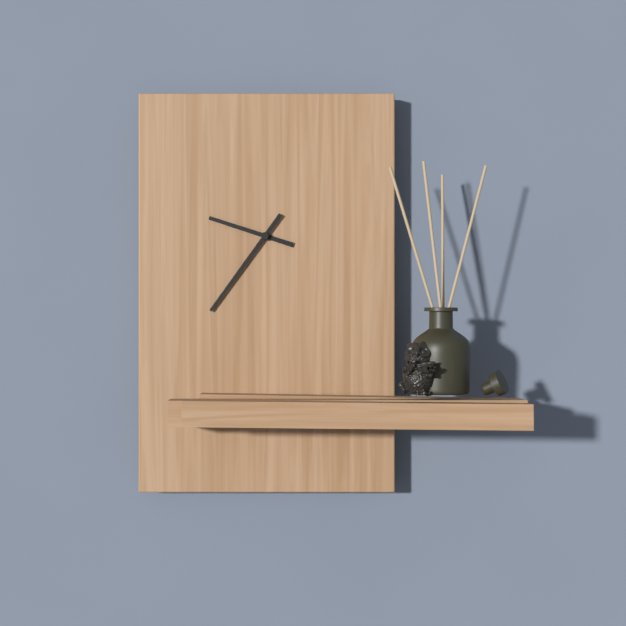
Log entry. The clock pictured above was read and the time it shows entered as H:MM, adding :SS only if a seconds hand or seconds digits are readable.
9:36
